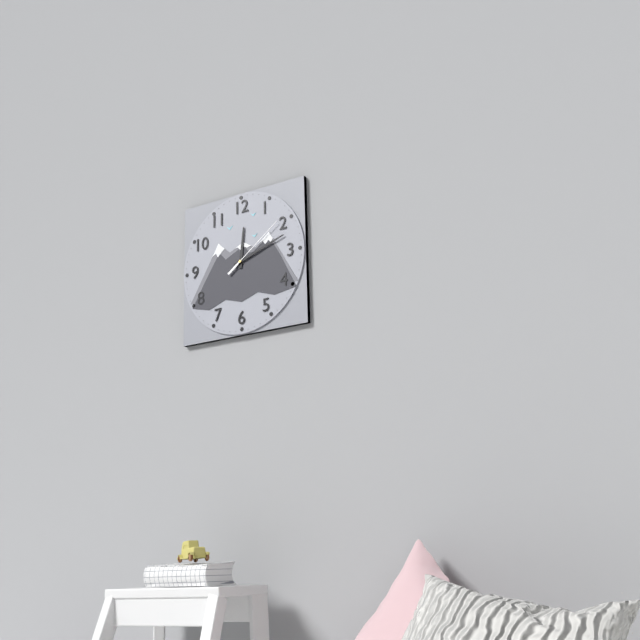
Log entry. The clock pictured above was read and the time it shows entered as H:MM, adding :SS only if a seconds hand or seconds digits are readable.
12:12:09
